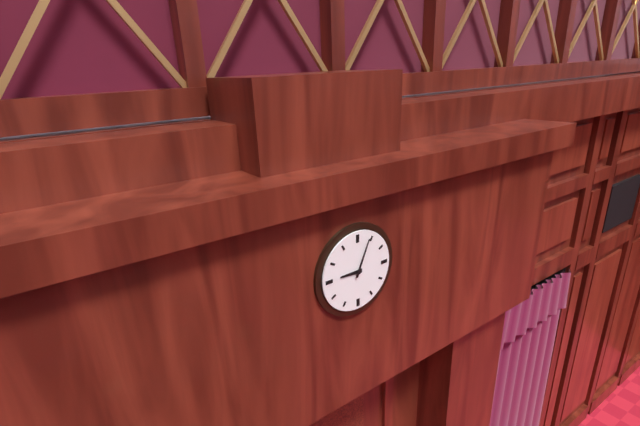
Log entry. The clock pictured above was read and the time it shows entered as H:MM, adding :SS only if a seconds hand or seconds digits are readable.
9:04
